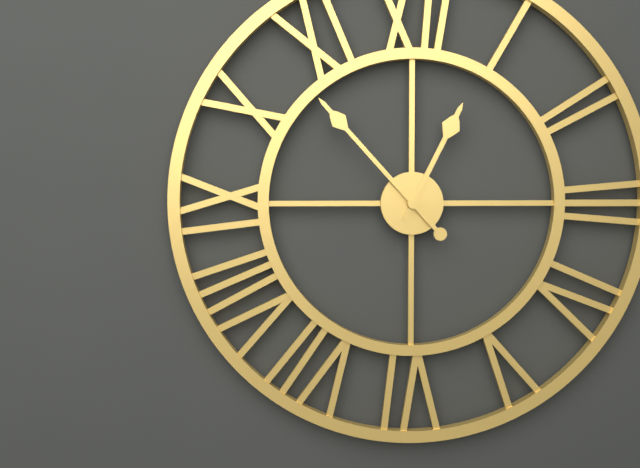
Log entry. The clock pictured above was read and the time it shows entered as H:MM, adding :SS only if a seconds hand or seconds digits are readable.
12:53
